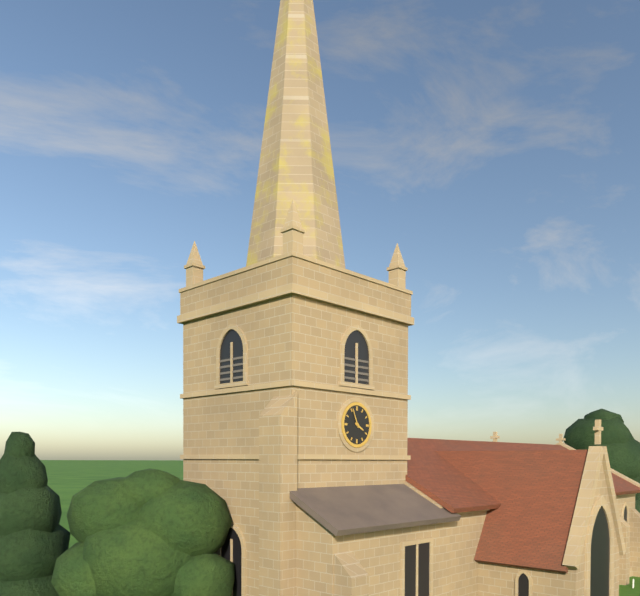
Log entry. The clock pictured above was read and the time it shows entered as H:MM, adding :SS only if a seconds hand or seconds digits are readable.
3:56
